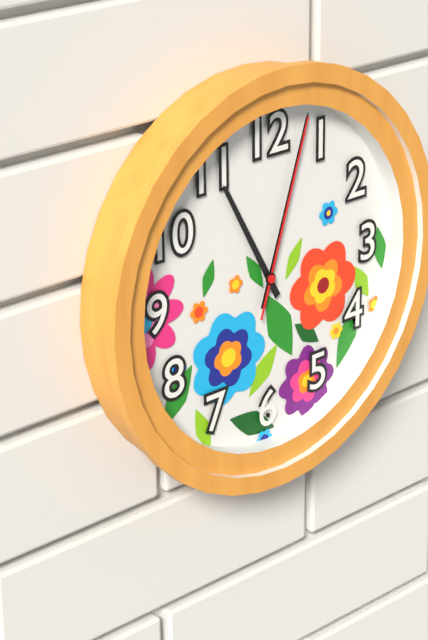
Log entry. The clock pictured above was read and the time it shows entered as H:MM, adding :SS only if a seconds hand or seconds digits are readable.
11:03:03
